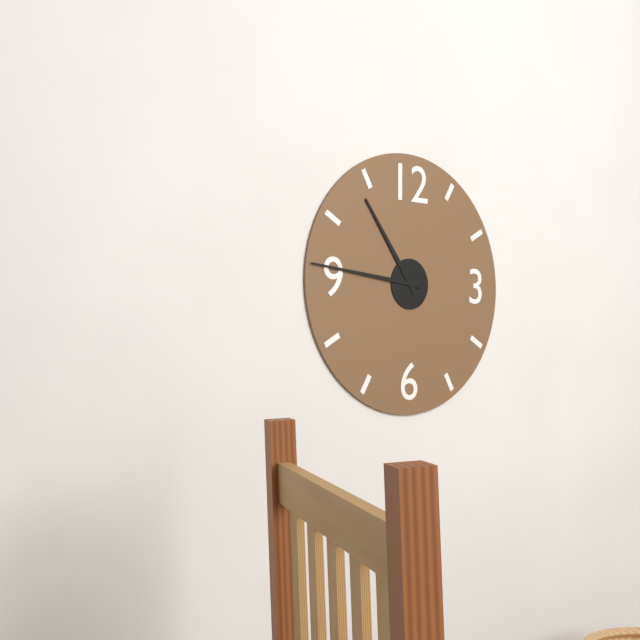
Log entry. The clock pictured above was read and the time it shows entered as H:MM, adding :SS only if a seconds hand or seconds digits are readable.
10:46
